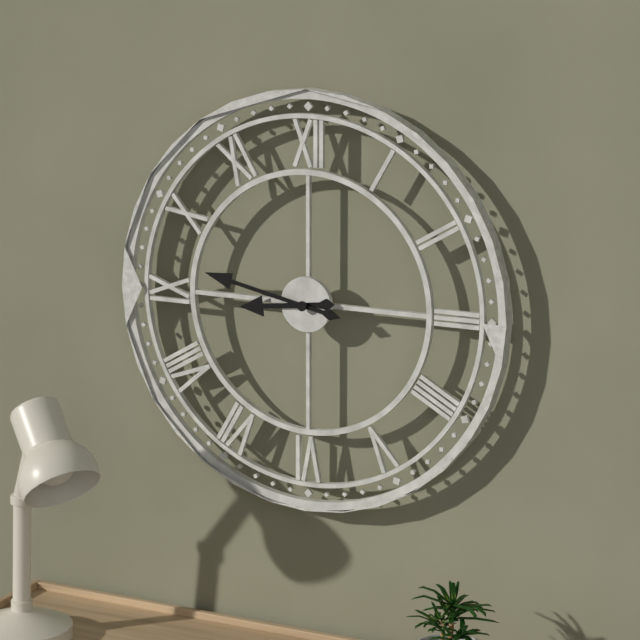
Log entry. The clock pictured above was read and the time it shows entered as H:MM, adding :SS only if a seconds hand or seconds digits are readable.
8:47
